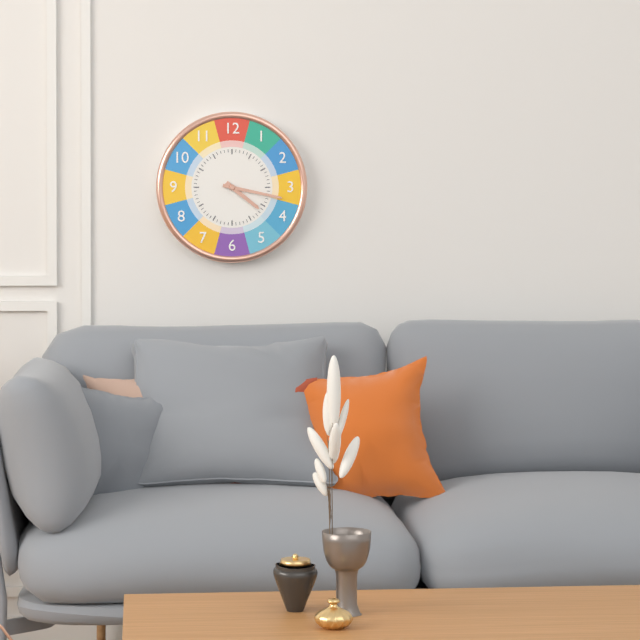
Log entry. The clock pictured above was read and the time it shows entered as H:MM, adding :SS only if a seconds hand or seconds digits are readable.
4:17
